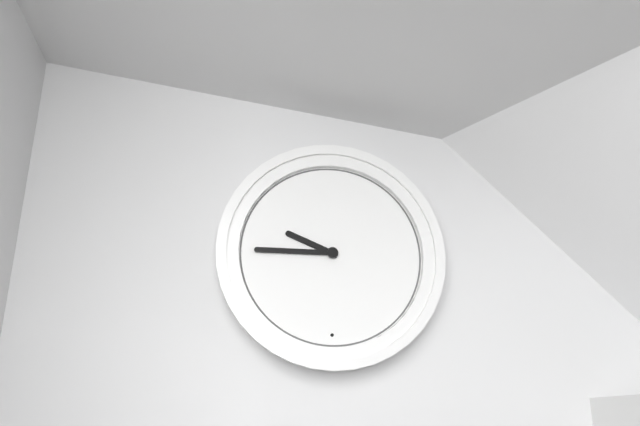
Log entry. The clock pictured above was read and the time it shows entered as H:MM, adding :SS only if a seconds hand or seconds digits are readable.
9:45
